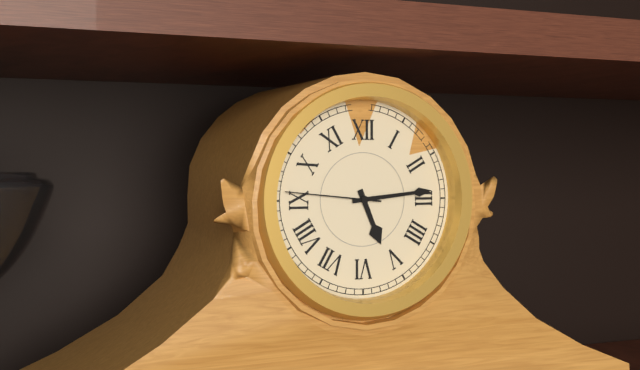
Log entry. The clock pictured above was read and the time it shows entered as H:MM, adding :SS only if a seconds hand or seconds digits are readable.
5:14:46
